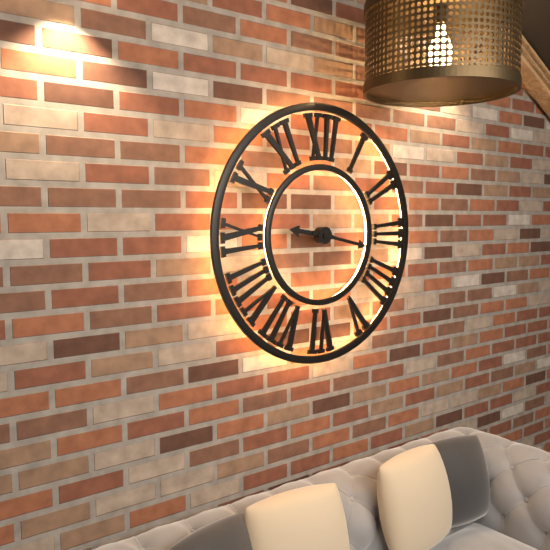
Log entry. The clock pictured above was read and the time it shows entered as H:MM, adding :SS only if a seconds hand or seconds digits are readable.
9:17
